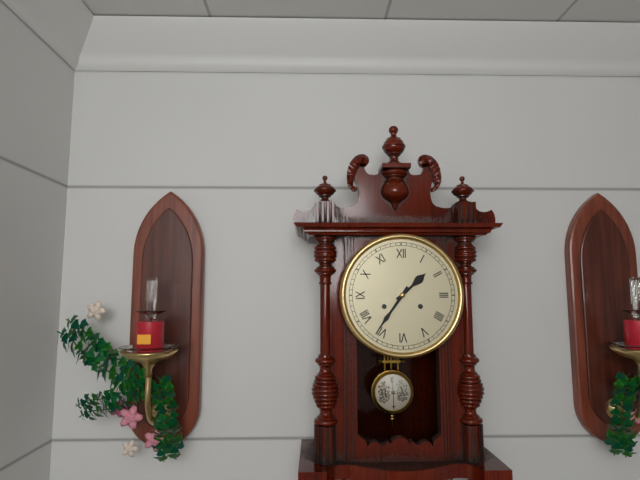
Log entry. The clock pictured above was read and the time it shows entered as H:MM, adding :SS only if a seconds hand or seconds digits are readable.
1:36
